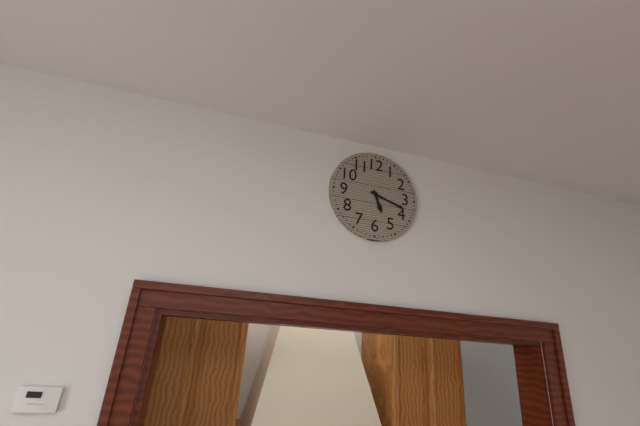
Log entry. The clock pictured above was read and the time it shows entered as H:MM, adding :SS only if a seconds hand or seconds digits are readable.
5:18
